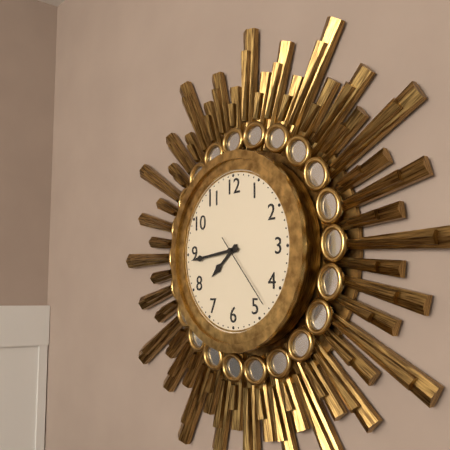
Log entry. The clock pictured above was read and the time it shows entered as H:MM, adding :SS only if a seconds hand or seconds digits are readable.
7:44:23
